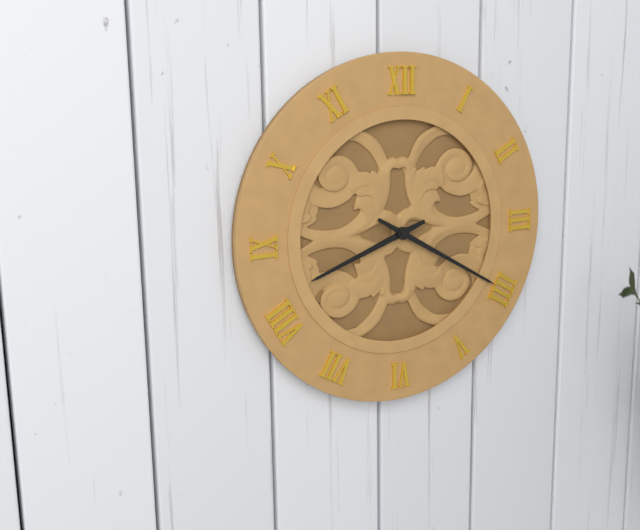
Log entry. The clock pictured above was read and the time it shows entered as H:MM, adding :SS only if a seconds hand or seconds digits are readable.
8:20
